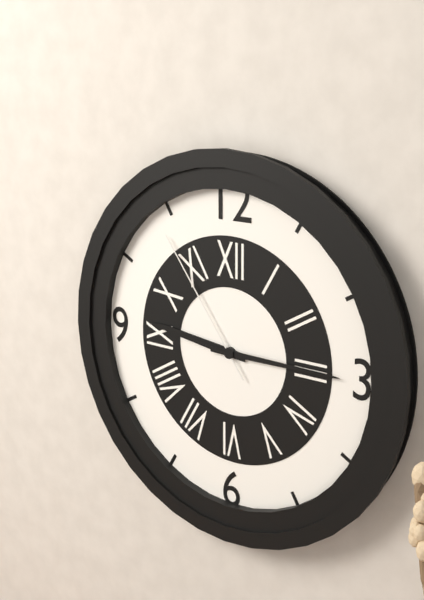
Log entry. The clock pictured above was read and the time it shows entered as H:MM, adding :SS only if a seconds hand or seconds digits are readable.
9:15:54
